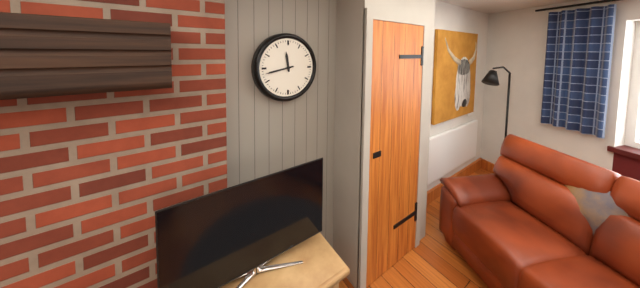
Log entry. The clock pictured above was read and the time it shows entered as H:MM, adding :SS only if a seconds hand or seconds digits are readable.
11:43
